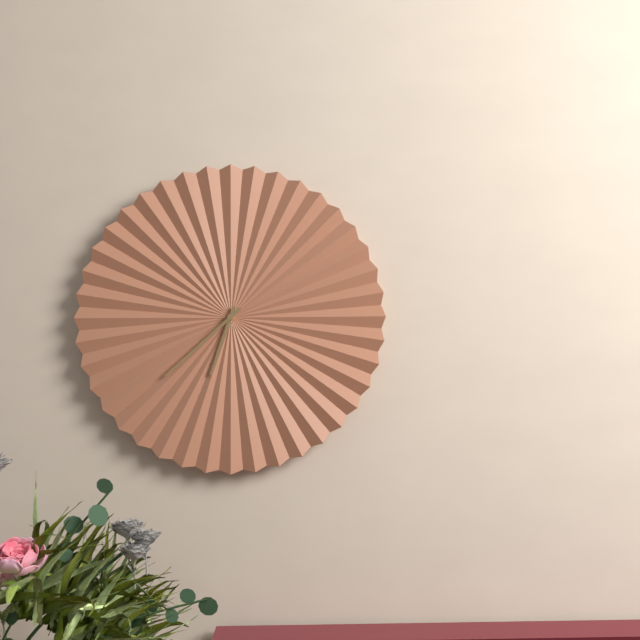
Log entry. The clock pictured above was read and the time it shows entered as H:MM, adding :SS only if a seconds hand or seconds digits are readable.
6:38
